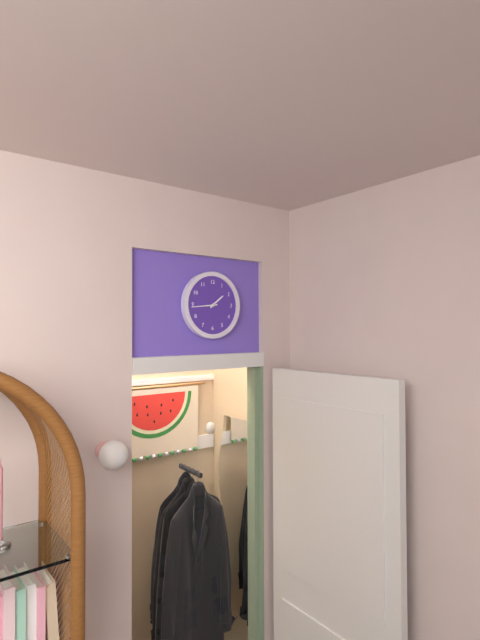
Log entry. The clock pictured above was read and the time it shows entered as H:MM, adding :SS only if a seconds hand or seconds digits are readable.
1:44
